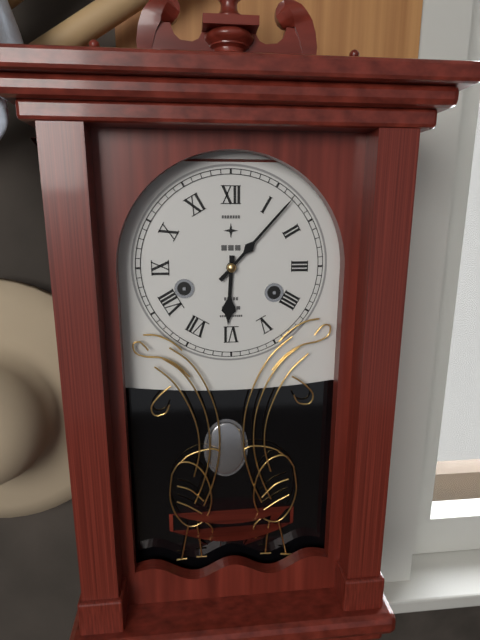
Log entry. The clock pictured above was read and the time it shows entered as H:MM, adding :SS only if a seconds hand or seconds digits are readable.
6:07
